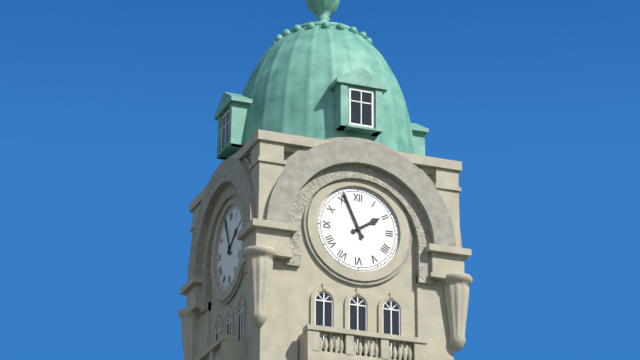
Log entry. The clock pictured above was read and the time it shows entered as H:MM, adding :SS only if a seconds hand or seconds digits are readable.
1:56
